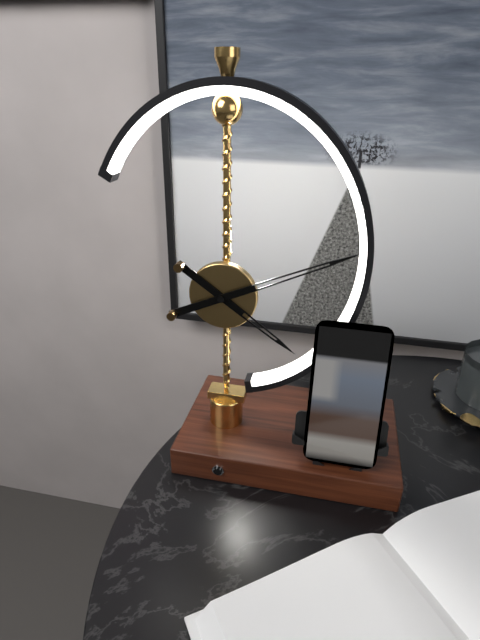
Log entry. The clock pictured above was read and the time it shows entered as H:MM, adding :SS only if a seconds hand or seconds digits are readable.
4:11
